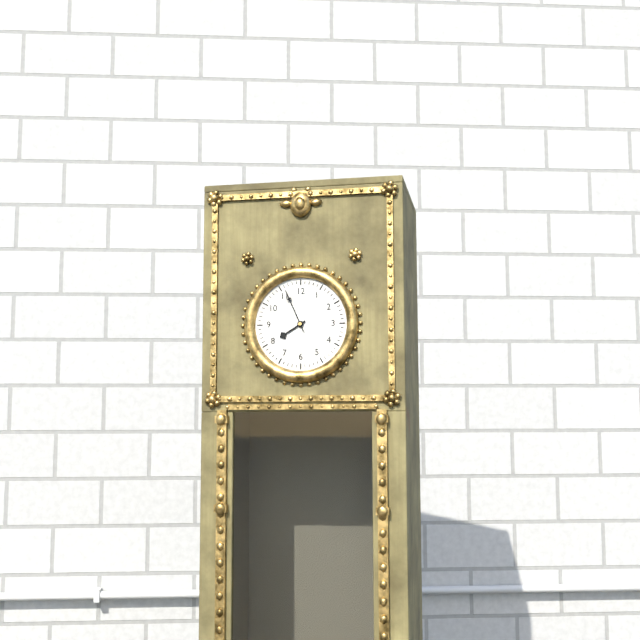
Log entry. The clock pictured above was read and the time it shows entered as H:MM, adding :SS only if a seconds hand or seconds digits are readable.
7:56
